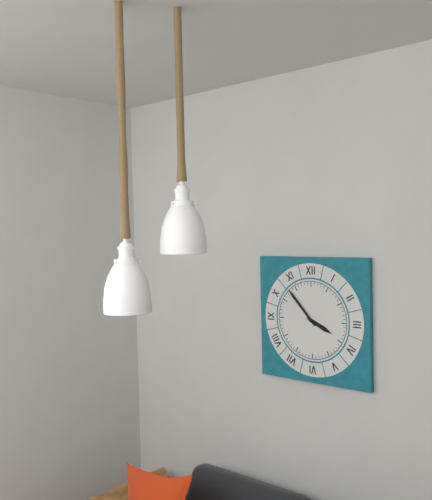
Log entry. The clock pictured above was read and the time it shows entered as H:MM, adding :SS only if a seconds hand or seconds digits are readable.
3:53
